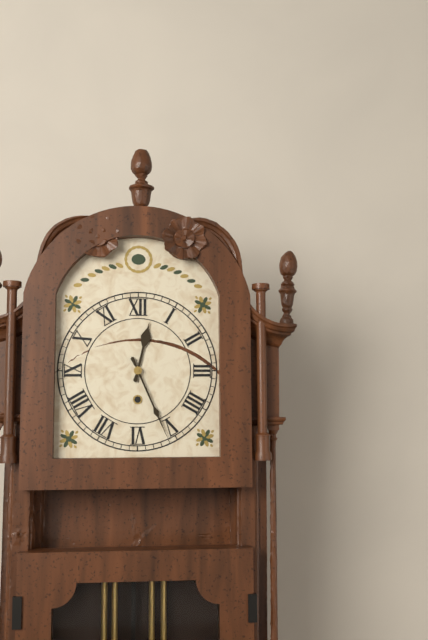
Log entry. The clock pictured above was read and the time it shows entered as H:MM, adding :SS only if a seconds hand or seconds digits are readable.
12:26
